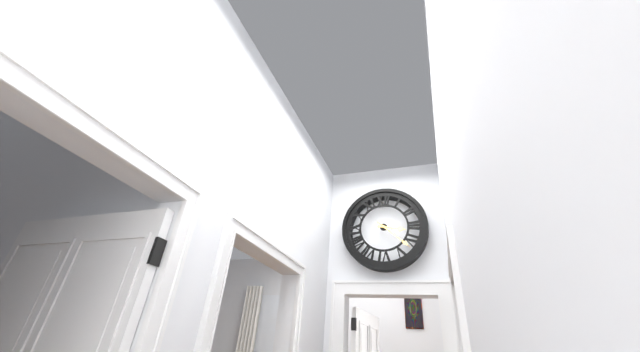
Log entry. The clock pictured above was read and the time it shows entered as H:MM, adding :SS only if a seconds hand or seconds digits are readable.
3:22
